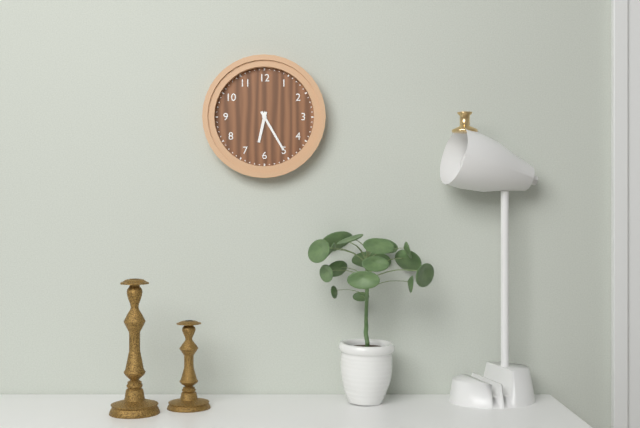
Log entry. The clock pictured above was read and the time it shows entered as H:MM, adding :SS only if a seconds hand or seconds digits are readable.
6:25
